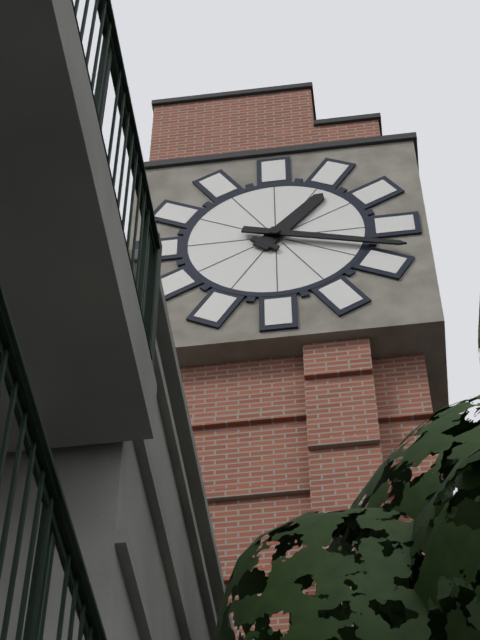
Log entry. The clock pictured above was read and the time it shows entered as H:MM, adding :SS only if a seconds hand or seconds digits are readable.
1:18
